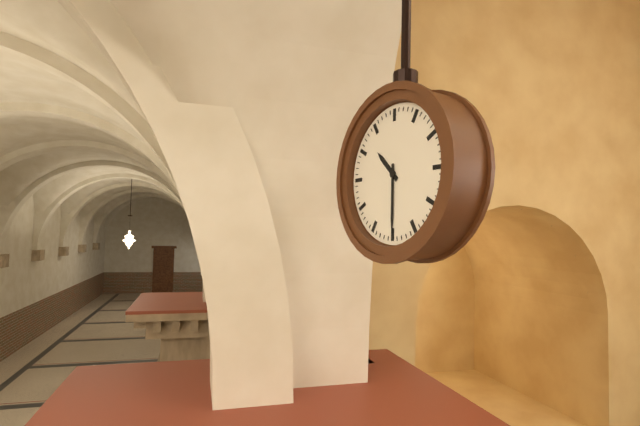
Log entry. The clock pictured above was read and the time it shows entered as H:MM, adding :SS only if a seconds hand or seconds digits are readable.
10:30
